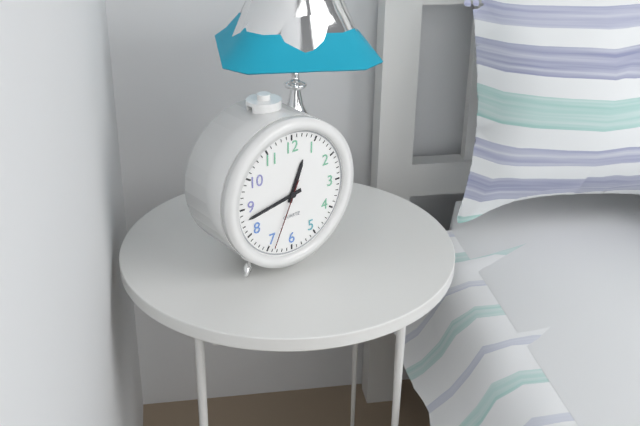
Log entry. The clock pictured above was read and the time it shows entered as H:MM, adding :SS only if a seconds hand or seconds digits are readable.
12:43:34
